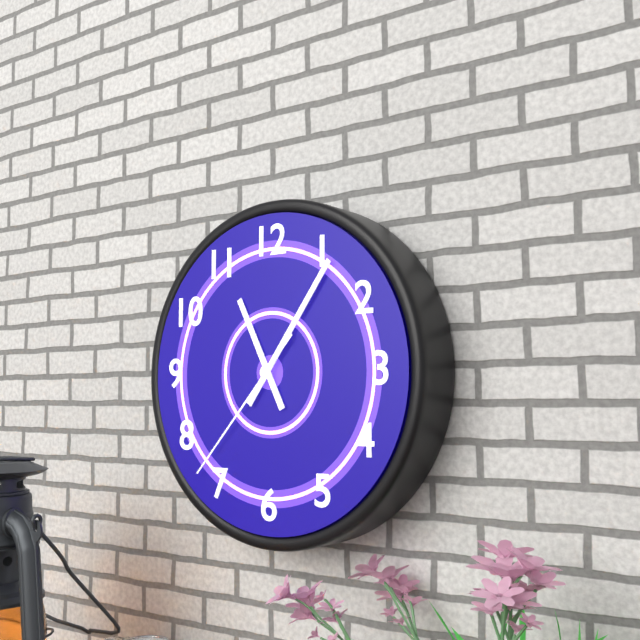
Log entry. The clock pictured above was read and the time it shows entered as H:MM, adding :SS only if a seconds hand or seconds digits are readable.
11:06:37
